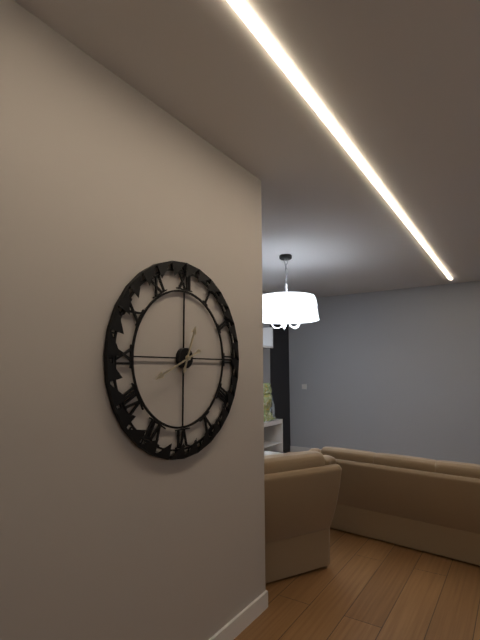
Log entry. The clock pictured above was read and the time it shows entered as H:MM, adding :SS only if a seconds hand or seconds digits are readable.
12:41
